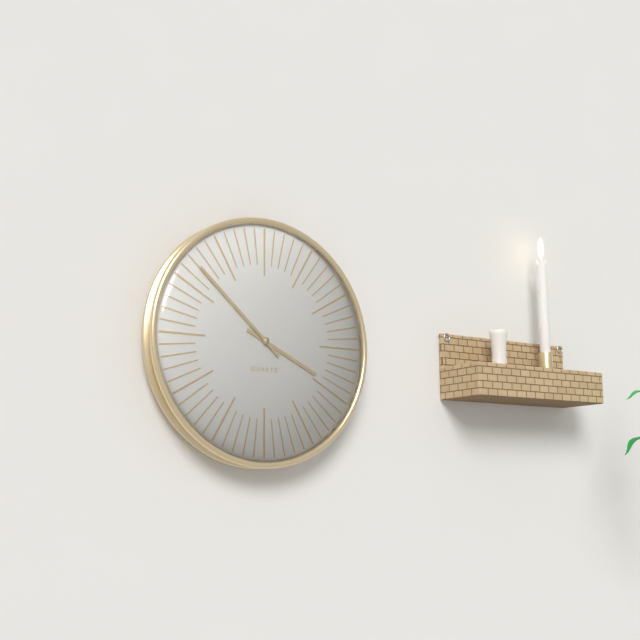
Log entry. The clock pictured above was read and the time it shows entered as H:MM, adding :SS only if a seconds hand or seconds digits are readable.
3:52
